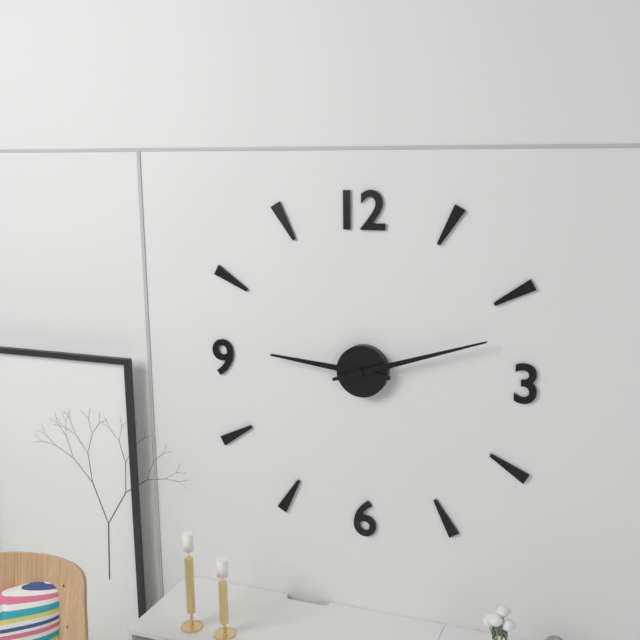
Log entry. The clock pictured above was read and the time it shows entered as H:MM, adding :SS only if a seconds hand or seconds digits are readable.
9:12
